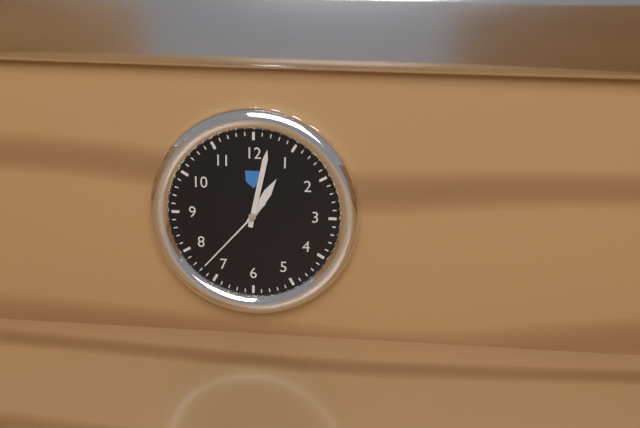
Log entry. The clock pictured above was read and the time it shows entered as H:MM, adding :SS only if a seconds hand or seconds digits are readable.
1:02:37
